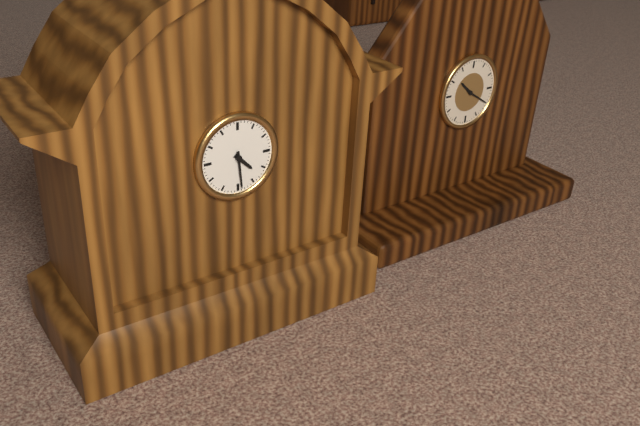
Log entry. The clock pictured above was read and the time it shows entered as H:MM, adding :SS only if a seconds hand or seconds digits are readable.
4:29
